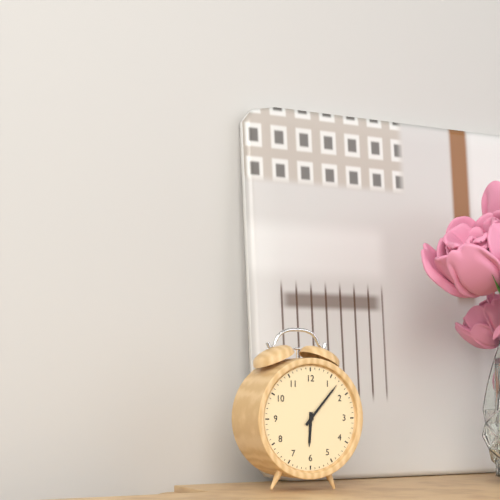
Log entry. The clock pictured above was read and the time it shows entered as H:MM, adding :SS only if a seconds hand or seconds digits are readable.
6:07
